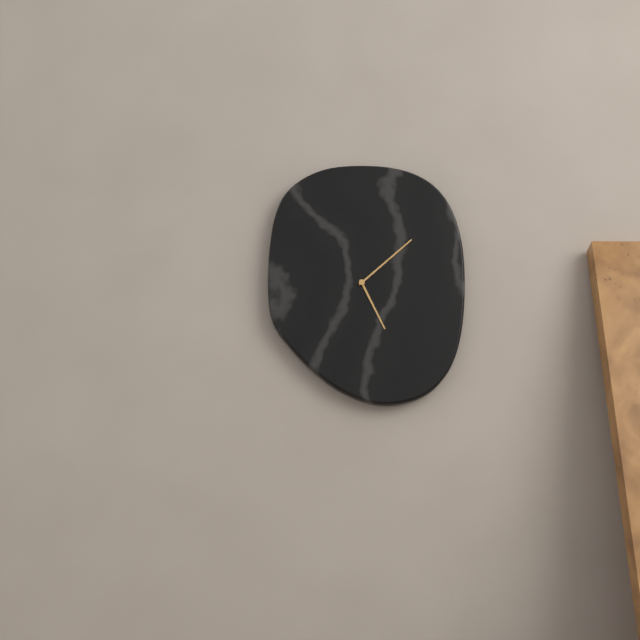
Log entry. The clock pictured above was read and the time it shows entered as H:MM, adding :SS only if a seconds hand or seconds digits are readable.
5:08
